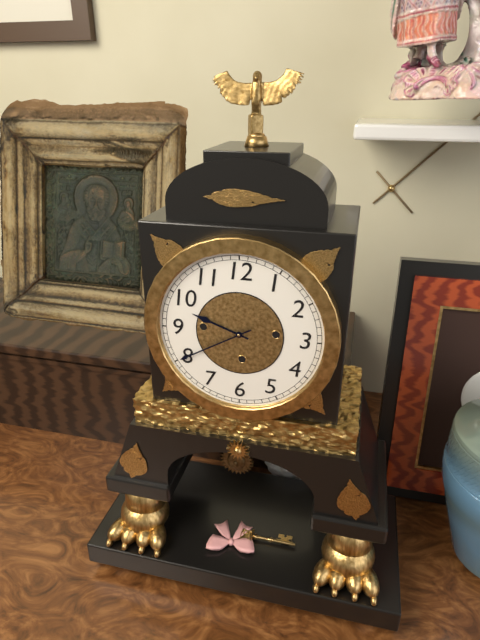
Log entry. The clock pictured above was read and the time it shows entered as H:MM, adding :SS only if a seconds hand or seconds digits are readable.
9:40
